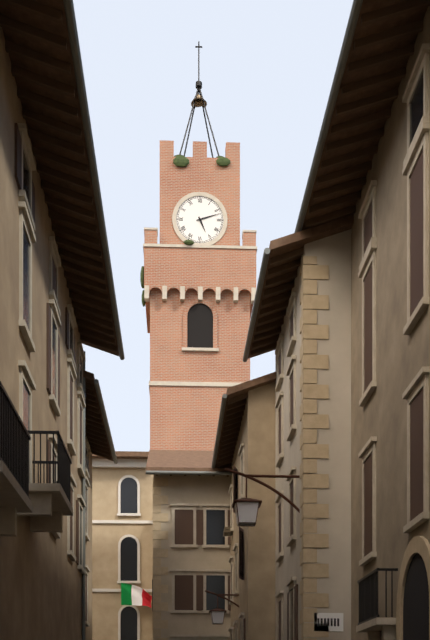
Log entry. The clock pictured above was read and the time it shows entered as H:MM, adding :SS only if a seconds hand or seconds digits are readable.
5:12
